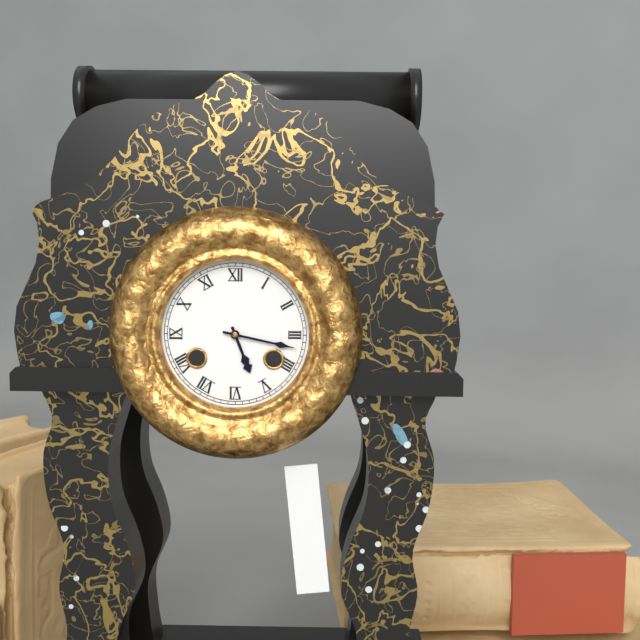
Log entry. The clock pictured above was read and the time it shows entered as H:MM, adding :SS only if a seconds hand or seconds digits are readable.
5:17
